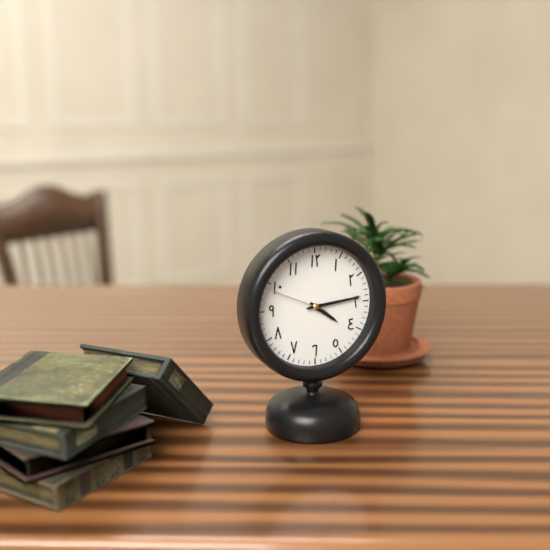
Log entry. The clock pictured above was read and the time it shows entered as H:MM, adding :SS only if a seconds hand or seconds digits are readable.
4:14:49
